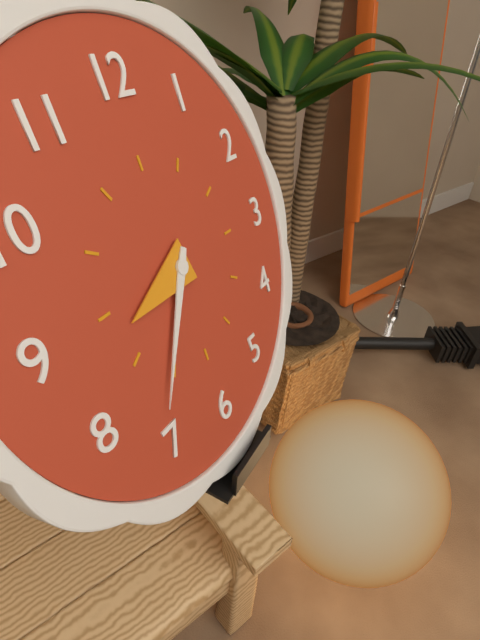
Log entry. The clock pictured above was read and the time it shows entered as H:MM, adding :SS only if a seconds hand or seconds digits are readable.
8:36
